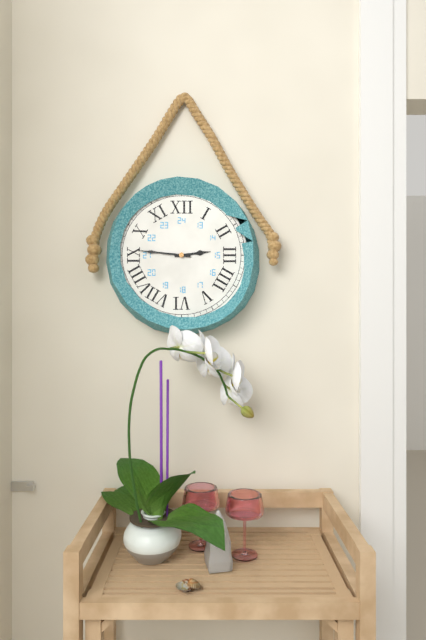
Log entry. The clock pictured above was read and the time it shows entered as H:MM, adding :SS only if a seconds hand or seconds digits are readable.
2:46
